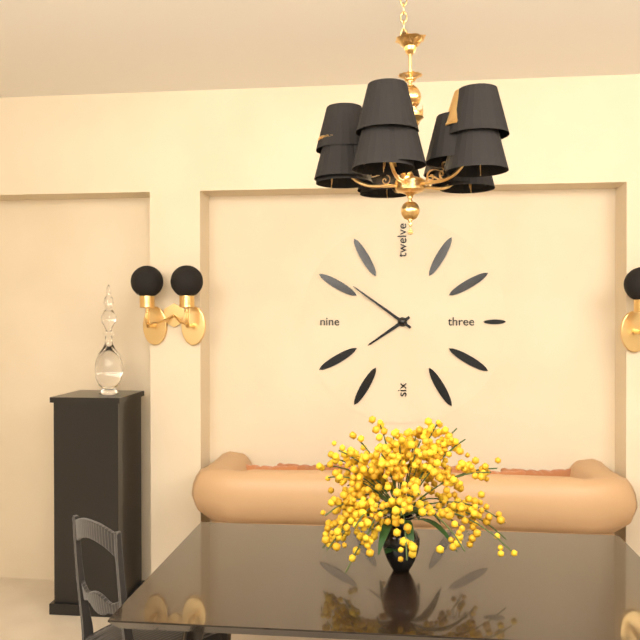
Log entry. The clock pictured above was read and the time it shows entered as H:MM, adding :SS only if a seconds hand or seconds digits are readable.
7:51
